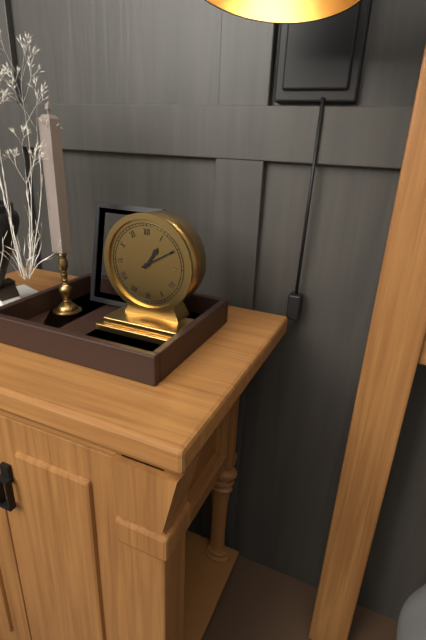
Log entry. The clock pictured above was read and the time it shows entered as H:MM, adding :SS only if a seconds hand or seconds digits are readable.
1:10
